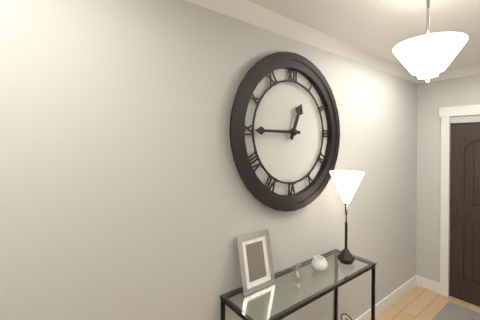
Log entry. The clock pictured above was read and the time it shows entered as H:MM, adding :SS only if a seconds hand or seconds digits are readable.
12:45
